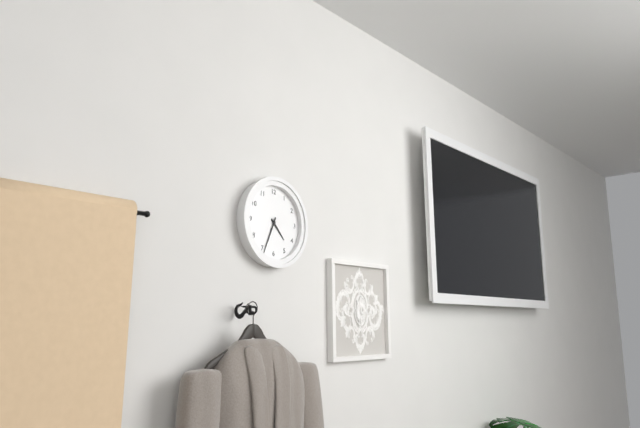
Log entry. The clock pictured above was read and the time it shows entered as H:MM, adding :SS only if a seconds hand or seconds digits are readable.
4:34
